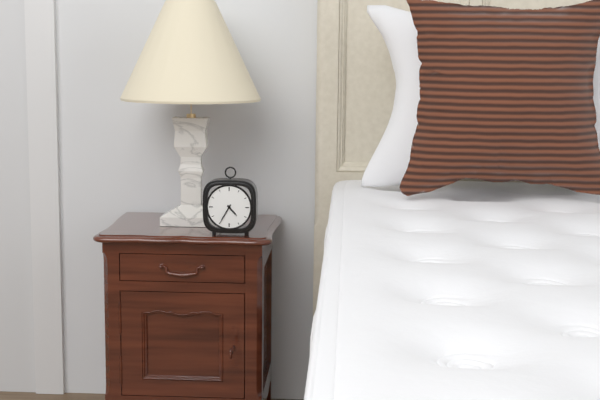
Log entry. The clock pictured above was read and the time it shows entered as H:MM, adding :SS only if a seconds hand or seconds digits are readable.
4:35
